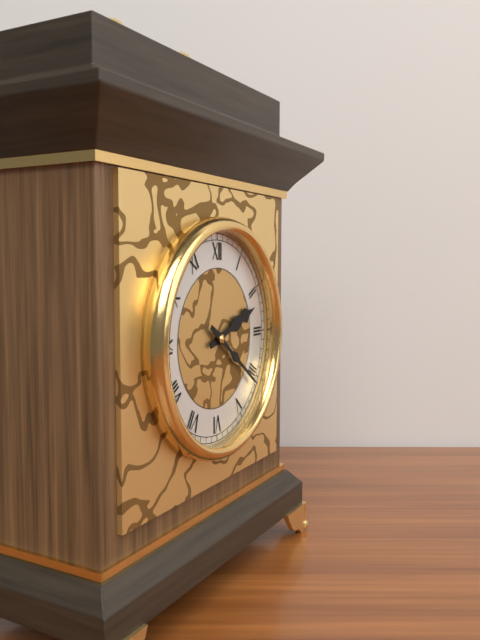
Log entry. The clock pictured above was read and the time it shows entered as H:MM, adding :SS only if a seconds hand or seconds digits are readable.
2:21
